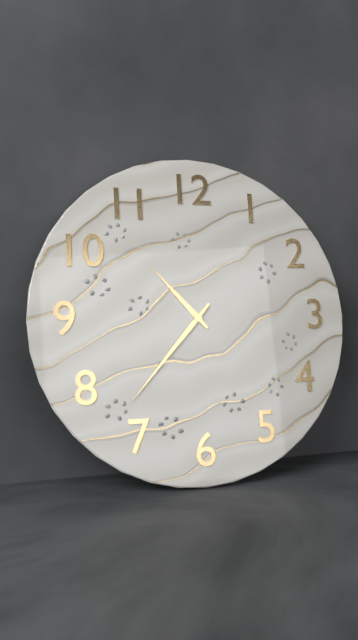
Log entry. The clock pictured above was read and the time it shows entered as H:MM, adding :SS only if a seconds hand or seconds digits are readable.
10:37
